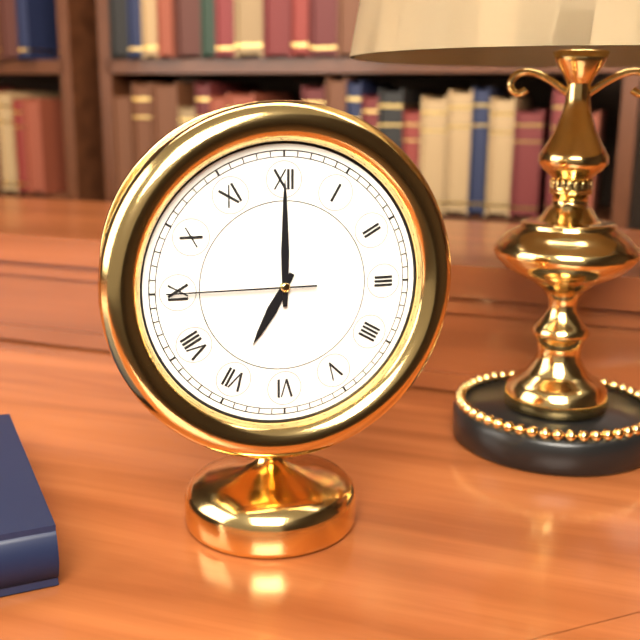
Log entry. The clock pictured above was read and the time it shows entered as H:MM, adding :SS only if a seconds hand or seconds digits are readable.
7:00:45
